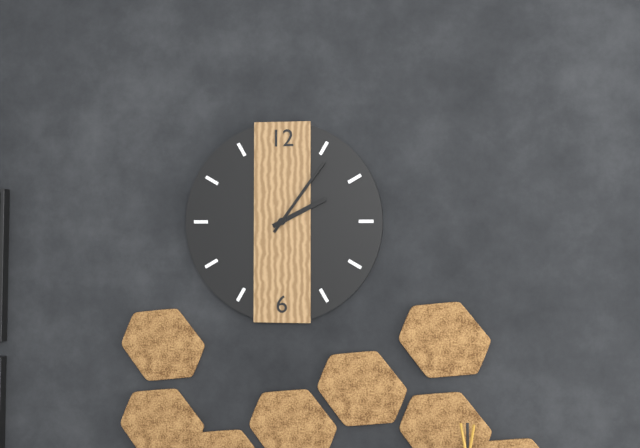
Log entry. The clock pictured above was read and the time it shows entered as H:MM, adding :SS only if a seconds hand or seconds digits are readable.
2:06
